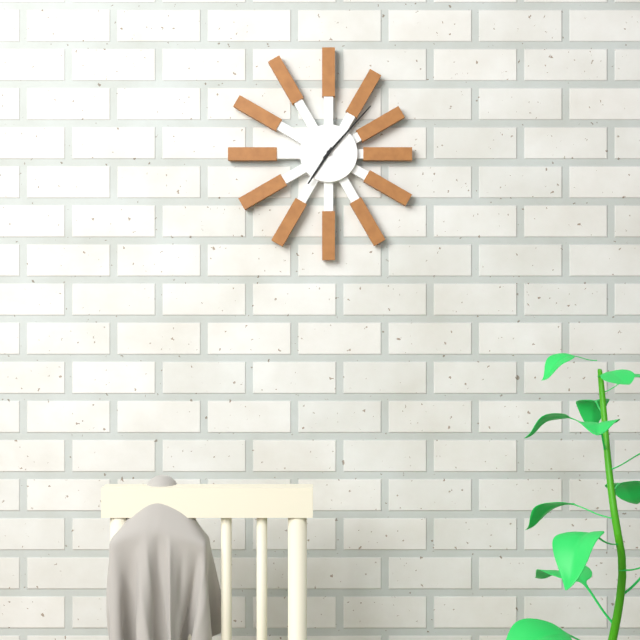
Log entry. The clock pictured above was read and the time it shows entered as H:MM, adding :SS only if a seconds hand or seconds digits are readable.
7:07
